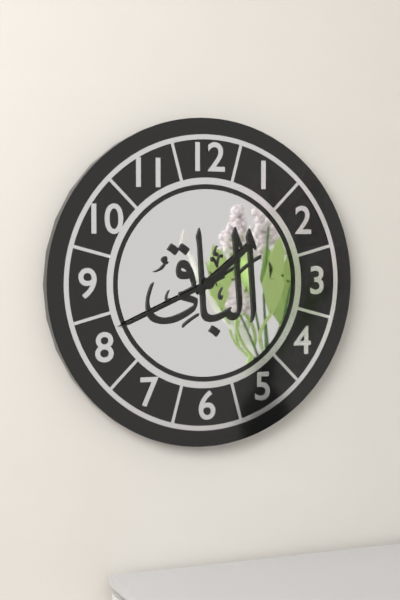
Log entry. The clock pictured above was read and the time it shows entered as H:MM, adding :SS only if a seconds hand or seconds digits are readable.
1:41
